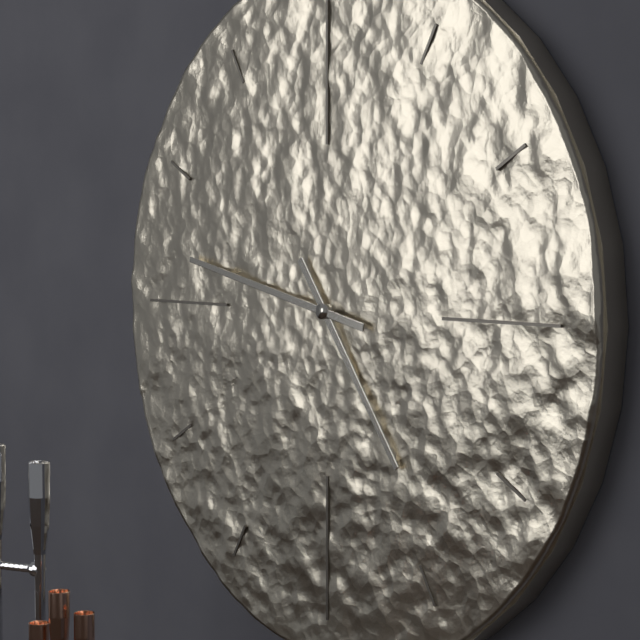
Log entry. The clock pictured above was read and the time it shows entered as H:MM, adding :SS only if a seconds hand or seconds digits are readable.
4:47
